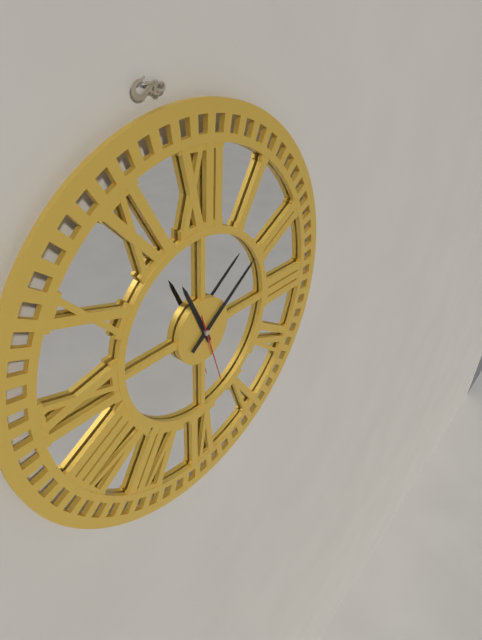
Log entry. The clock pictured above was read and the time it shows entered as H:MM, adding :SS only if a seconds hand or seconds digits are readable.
11:09:27
